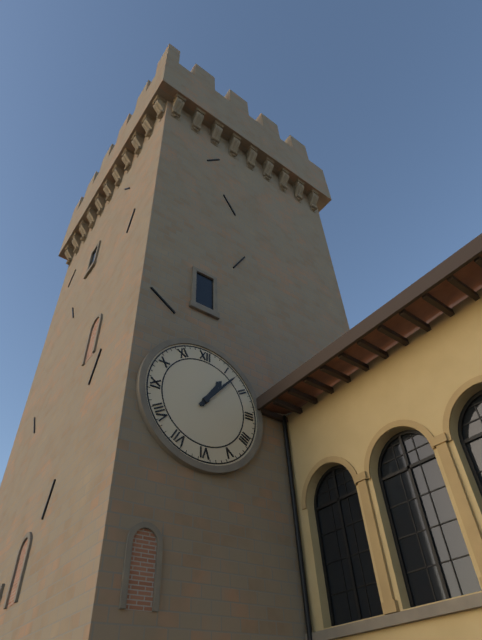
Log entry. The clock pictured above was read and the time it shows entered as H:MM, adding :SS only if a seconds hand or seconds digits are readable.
1:07
